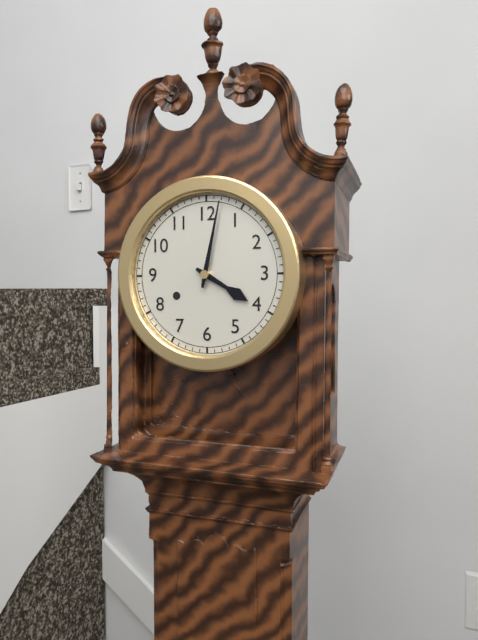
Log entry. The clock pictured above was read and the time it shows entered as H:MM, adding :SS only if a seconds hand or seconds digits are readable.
4:02
